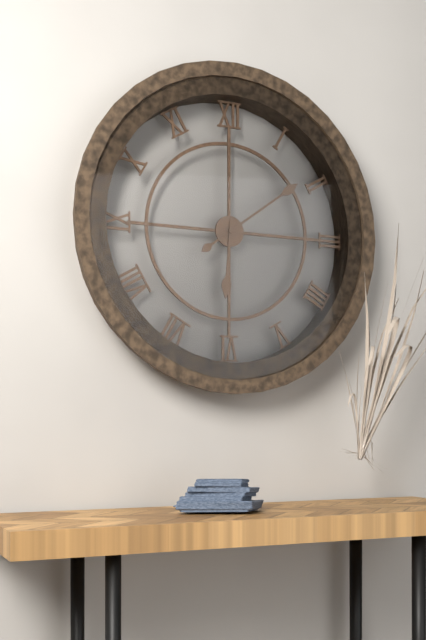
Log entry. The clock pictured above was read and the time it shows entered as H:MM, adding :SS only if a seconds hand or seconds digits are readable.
6:09
